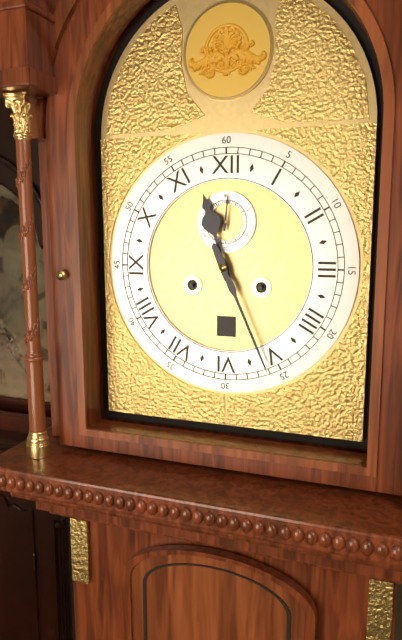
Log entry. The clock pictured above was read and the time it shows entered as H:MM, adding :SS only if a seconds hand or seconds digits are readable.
11:26
